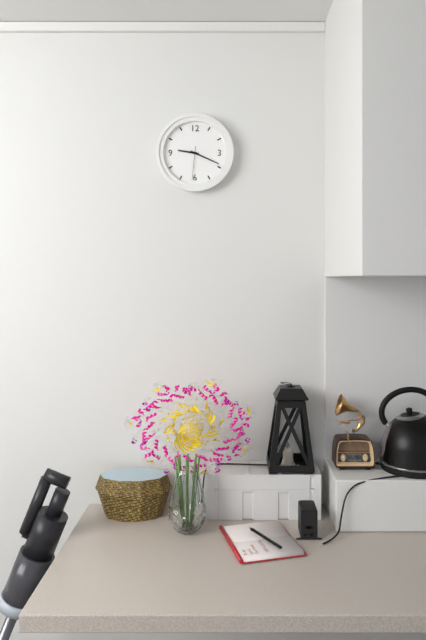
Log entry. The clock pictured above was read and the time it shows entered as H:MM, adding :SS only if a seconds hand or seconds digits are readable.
9:19
